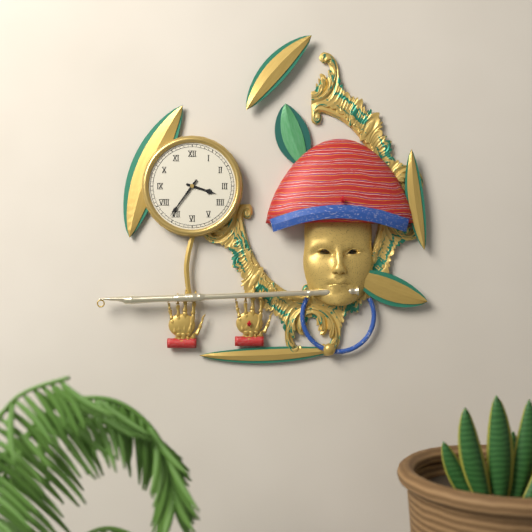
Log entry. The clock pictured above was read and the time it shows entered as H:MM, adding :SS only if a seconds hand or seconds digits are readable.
3:36
